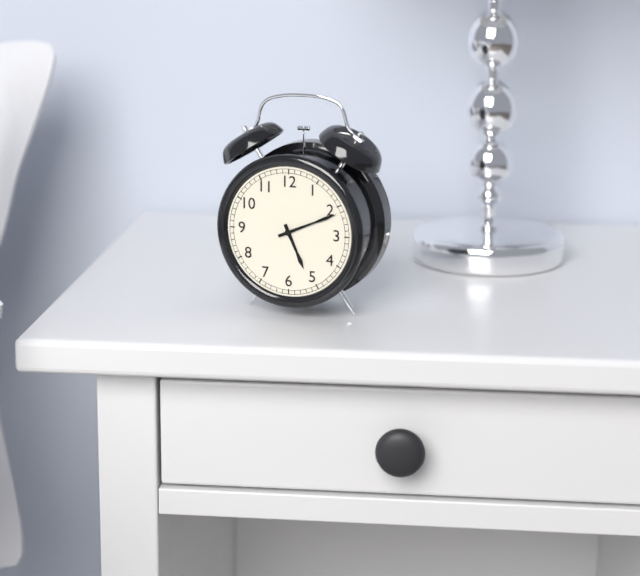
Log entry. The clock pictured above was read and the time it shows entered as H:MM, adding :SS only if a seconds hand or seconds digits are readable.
5:11
